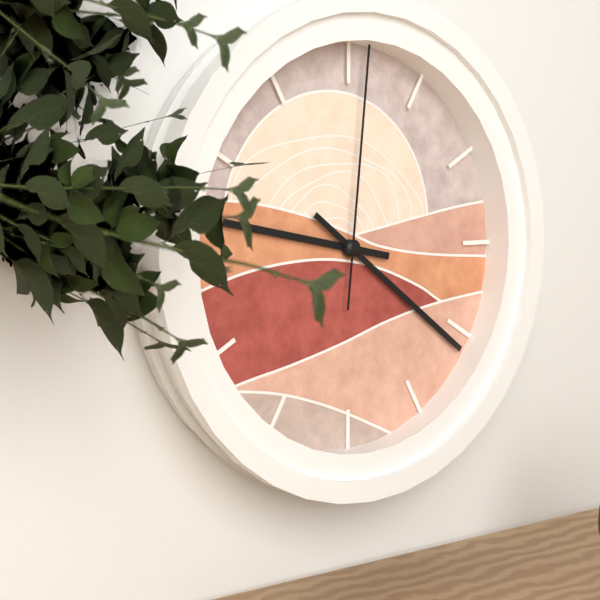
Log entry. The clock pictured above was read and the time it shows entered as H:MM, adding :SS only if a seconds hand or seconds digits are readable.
9:21:01
